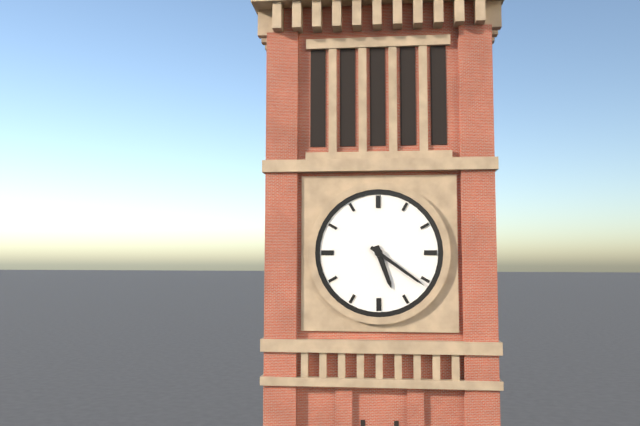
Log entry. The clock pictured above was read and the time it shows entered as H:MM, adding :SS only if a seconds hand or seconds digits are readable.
5:21
